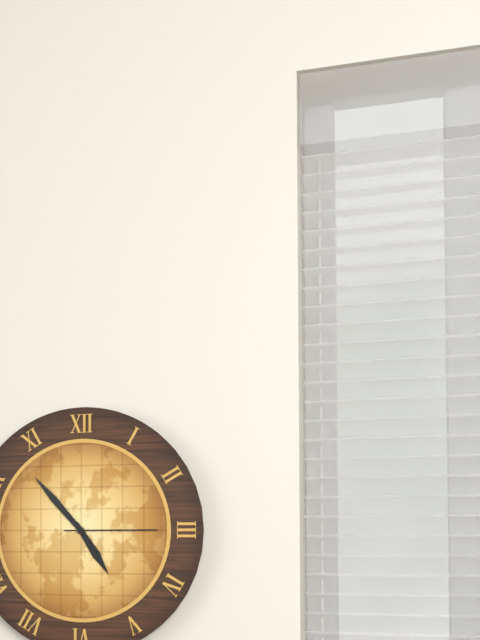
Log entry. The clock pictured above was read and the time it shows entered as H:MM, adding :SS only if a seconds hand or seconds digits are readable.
4:53:15
